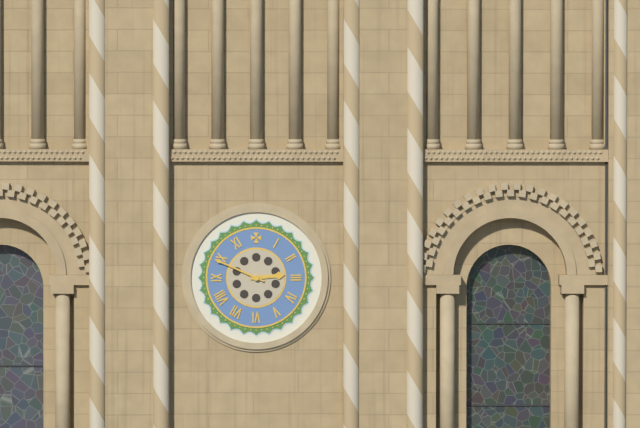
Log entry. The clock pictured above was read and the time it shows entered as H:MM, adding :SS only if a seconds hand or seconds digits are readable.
2:49
